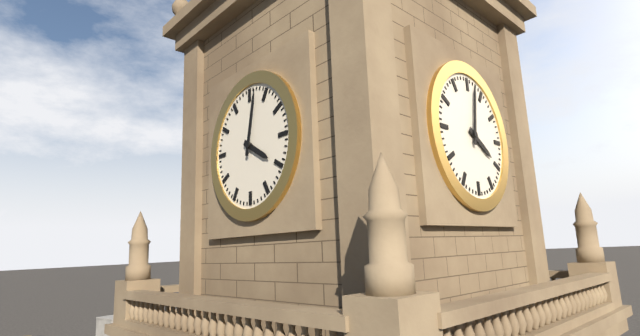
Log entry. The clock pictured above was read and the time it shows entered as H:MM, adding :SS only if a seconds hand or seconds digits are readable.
4:02
